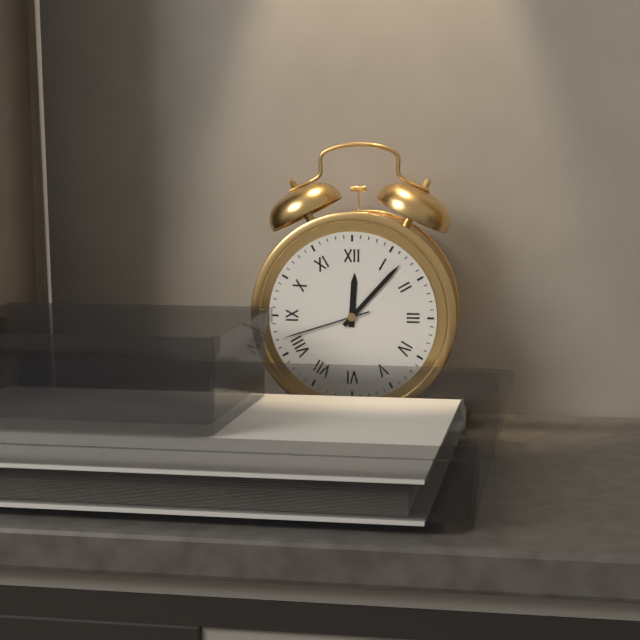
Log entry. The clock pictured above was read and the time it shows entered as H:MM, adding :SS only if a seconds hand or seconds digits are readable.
12:07:42
